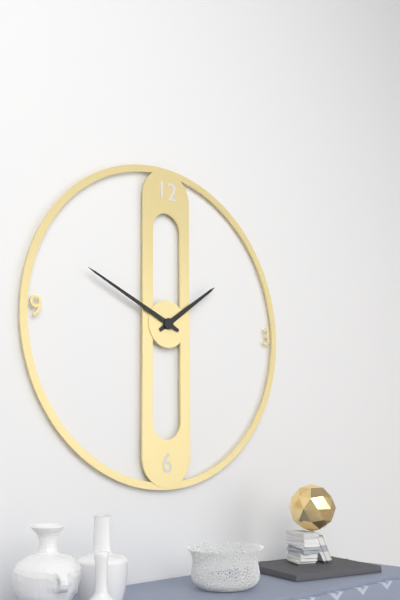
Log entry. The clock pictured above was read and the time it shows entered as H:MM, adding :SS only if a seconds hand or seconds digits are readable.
1:49
